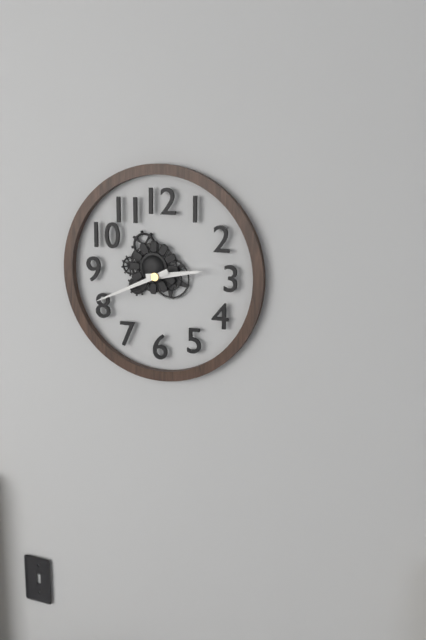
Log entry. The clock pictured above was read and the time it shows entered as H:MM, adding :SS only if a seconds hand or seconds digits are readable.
2:41
